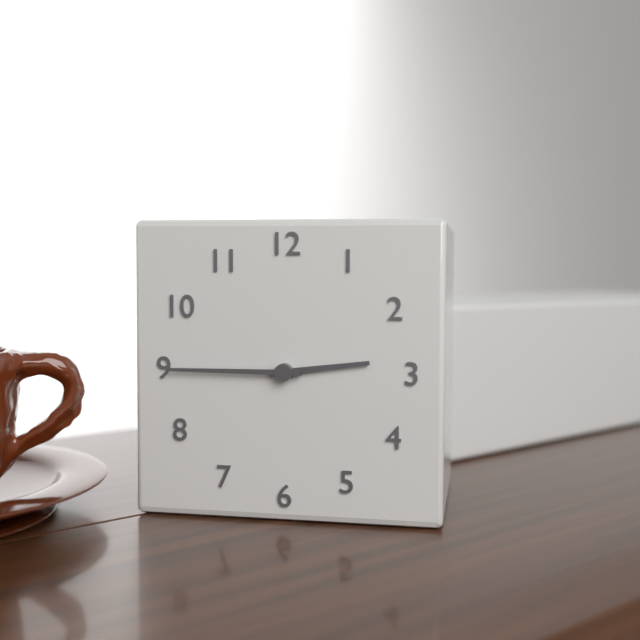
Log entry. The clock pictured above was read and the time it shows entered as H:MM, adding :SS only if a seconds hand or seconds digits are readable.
2:45
